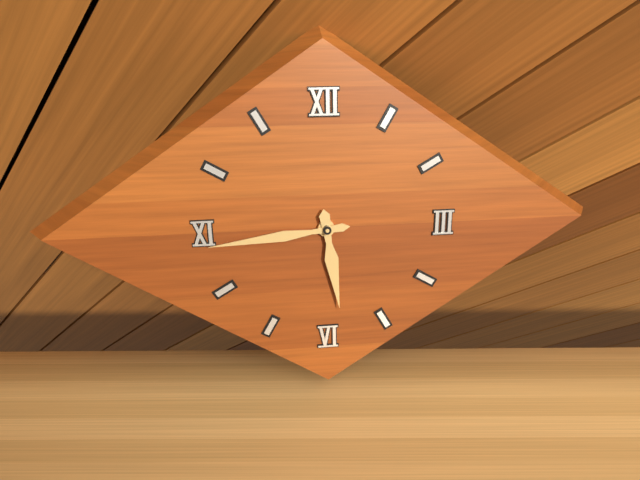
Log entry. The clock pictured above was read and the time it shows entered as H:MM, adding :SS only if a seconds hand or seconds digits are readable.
5:44
